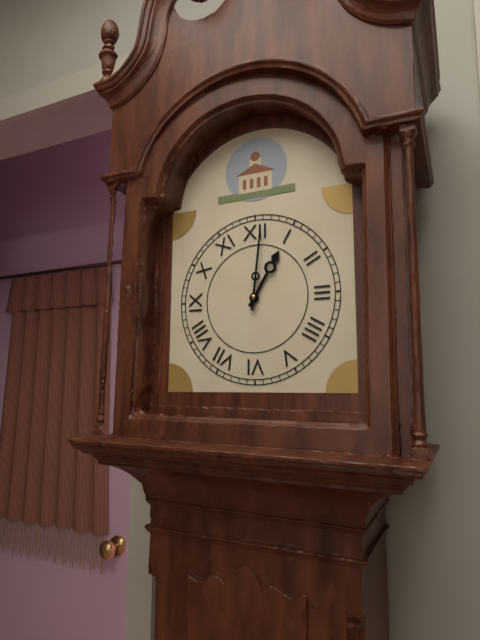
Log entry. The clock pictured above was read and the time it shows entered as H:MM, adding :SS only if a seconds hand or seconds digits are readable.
1:01
